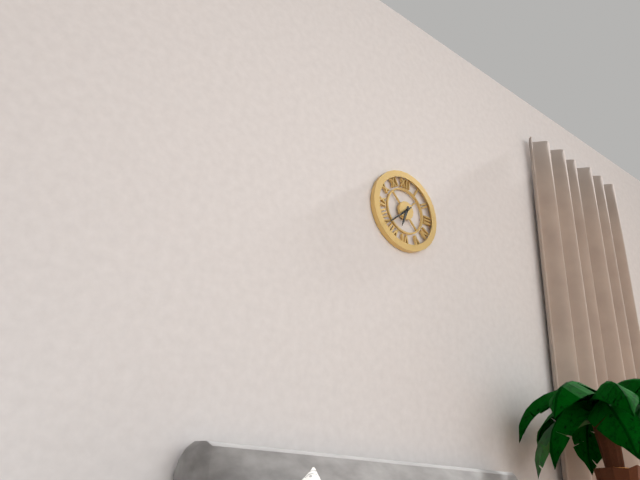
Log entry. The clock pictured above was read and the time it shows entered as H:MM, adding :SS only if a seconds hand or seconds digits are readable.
6:38
